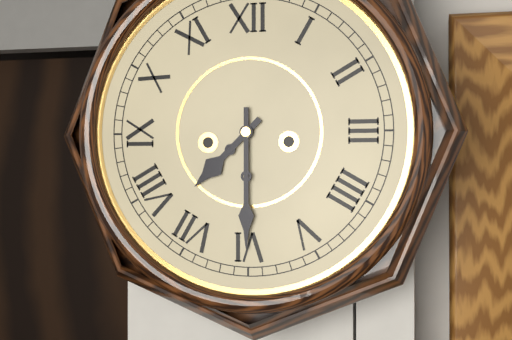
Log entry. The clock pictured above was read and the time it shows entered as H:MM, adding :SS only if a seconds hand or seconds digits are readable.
7:30
